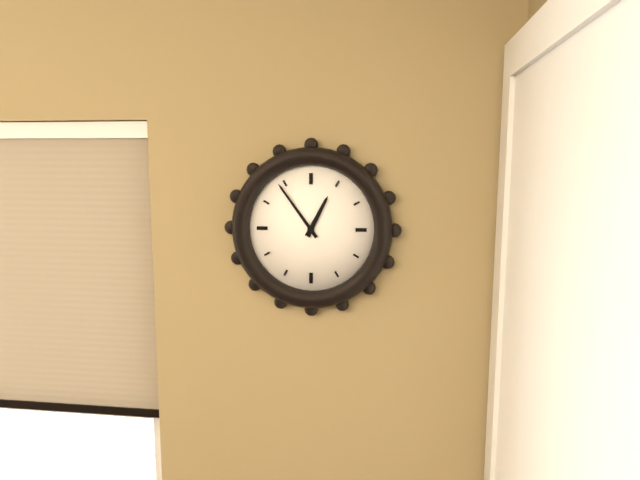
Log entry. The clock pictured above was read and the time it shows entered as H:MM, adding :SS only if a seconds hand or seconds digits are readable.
12:54
